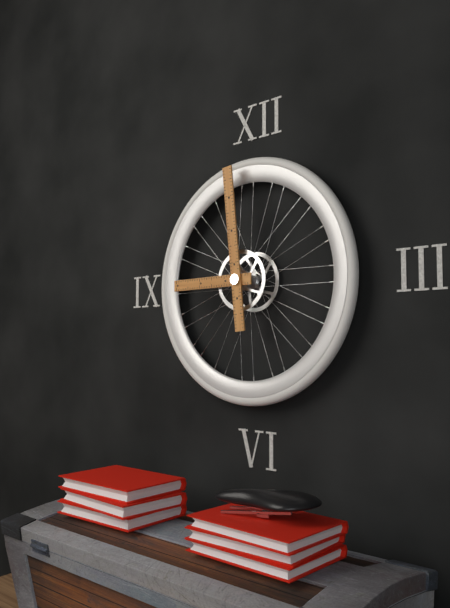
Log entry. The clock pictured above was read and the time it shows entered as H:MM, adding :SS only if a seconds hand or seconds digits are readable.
8:59
